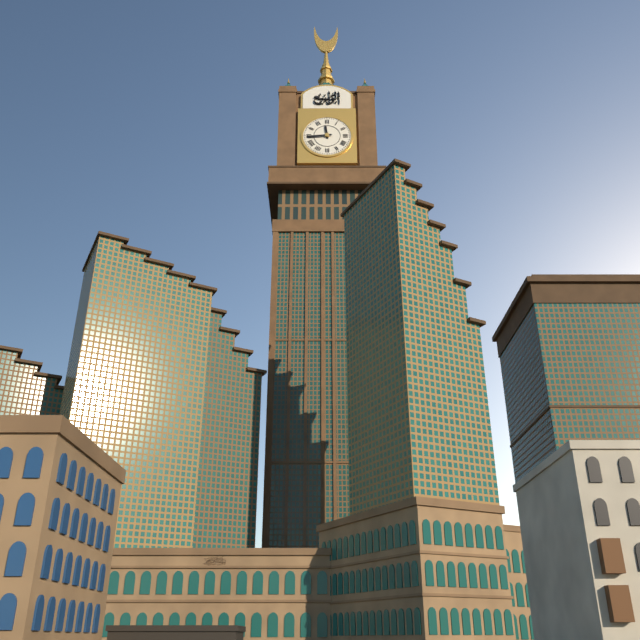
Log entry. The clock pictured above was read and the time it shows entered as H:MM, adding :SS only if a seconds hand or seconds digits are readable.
11:44
